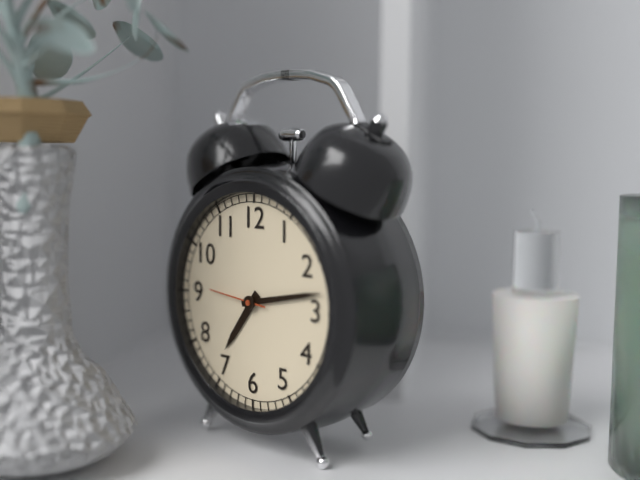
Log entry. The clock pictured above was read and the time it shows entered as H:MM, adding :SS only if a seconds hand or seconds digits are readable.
7:13:46
